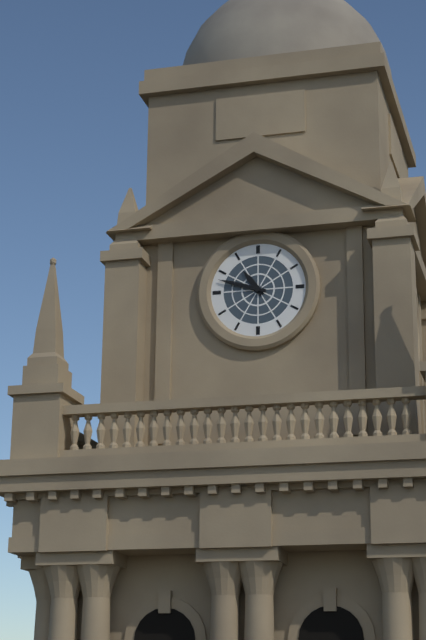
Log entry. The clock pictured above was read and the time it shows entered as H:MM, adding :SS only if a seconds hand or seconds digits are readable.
10:48
